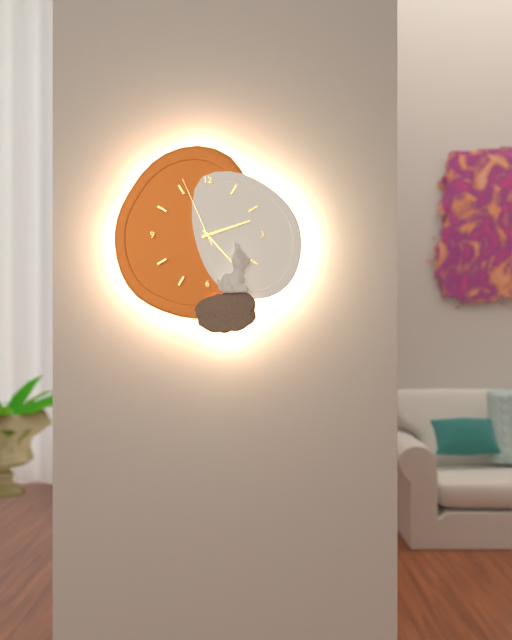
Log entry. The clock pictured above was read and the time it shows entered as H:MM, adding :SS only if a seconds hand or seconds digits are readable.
2:23:56
